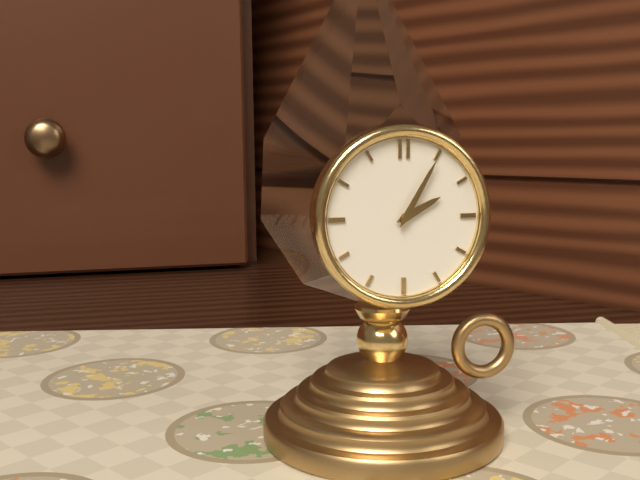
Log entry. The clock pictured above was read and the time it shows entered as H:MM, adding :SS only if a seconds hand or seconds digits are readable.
2:05
